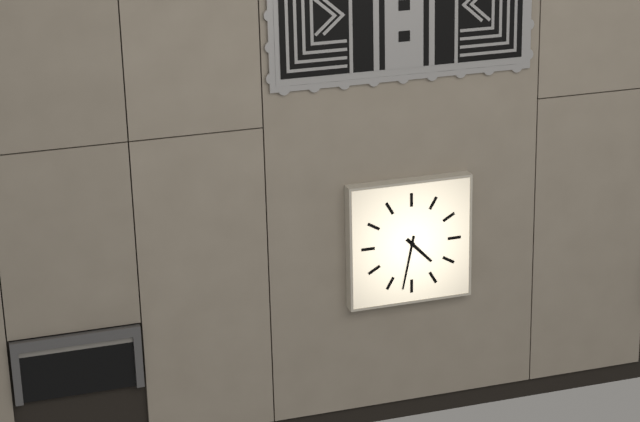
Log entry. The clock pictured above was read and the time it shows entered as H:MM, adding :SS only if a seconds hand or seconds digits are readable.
4:32
